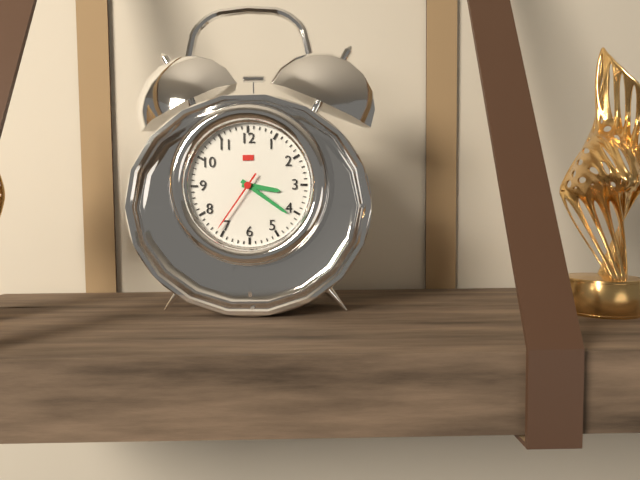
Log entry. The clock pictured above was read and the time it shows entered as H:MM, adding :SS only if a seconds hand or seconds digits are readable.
3:21:36
